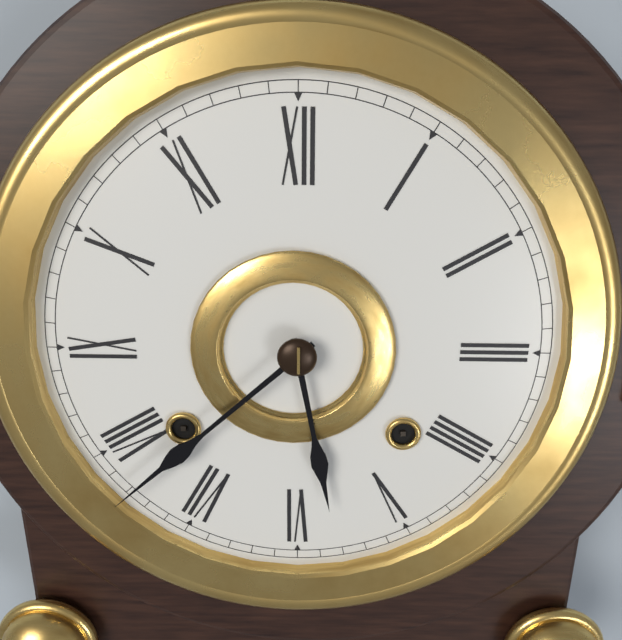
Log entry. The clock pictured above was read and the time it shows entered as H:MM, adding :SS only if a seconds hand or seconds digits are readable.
5:38
